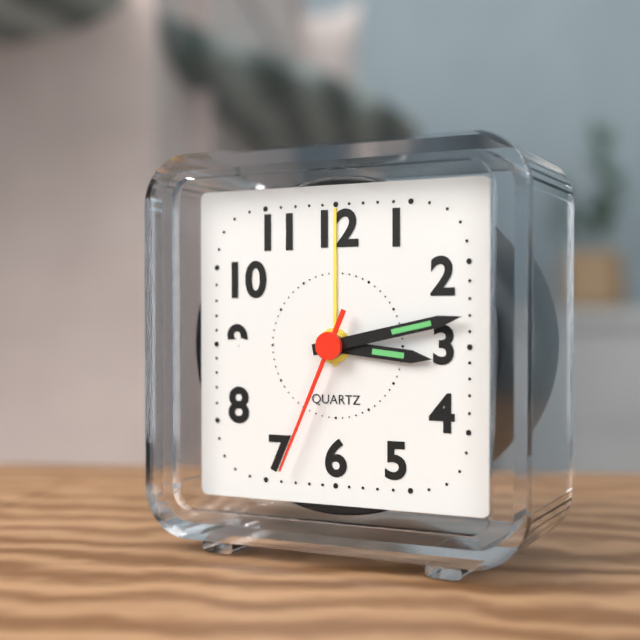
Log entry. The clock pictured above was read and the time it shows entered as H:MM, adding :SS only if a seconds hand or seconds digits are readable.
3:13:34
